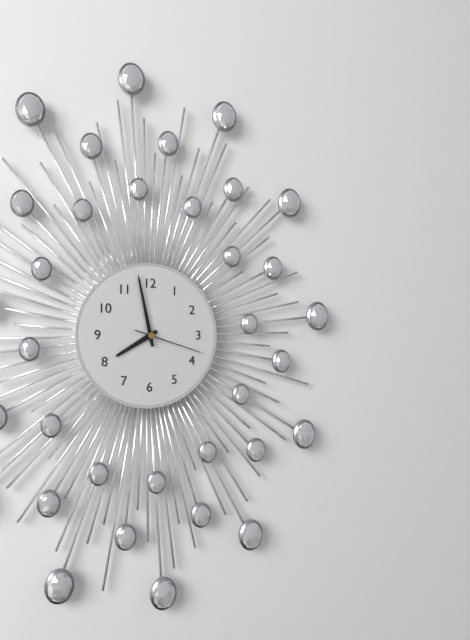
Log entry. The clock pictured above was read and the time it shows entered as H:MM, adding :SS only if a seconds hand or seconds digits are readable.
7:58:18
